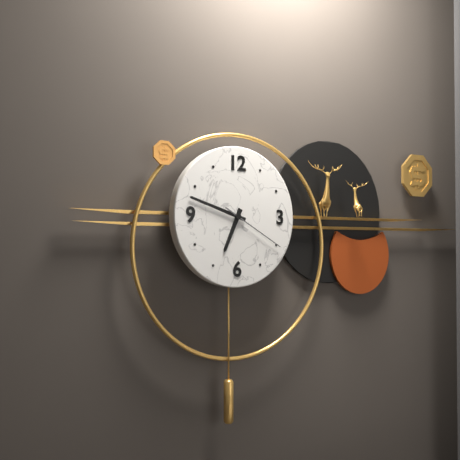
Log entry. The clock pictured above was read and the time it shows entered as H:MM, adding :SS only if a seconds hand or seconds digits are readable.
6:48:20
